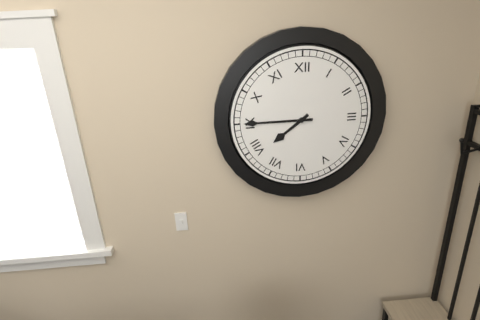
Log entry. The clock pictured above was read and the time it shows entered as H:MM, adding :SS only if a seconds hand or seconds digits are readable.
7:45
